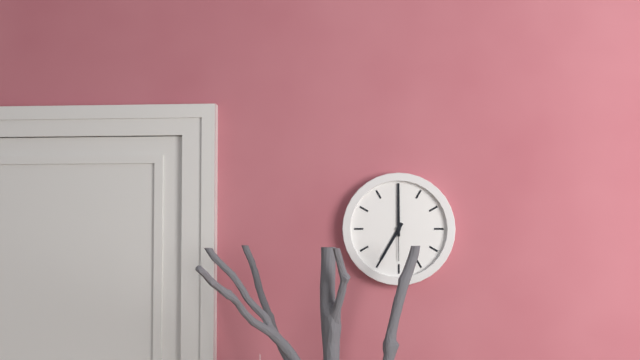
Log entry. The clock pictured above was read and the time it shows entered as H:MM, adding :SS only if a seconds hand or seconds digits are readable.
7:00
